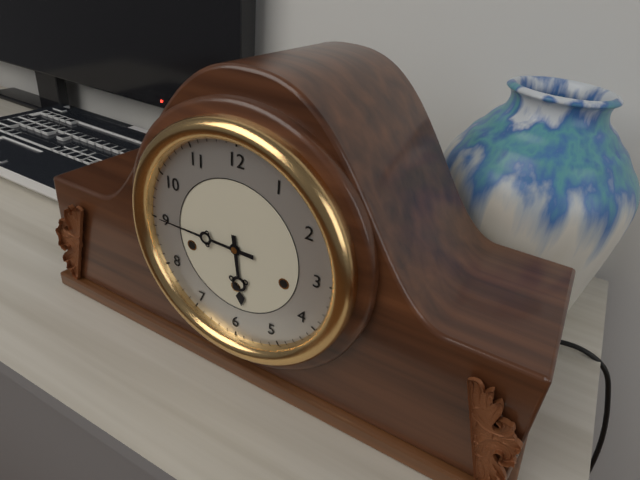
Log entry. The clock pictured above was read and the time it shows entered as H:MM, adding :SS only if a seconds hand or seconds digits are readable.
5:45
